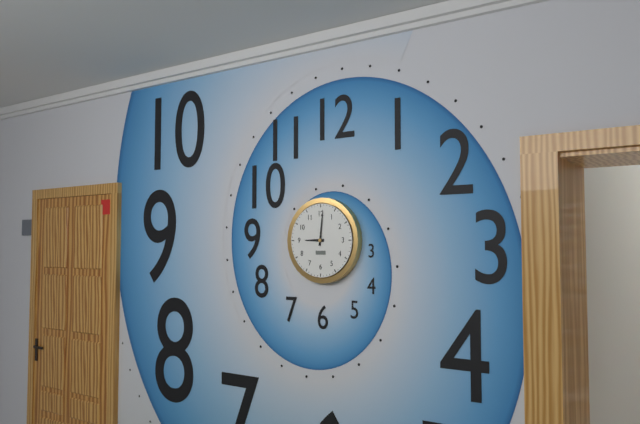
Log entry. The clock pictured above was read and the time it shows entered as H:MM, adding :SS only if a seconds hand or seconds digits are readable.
9:01
